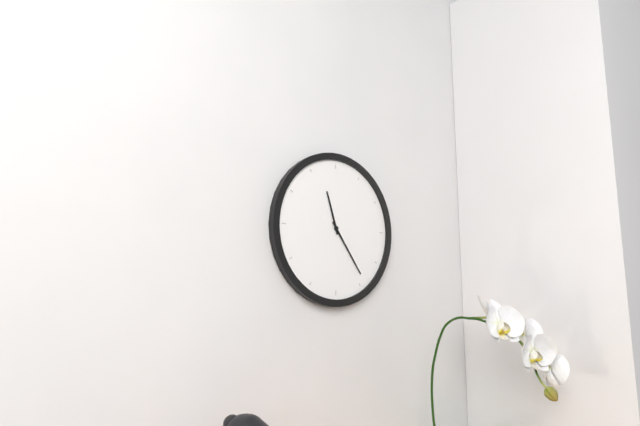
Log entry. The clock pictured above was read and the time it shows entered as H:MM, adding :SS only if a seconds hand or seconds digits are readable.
11:24
